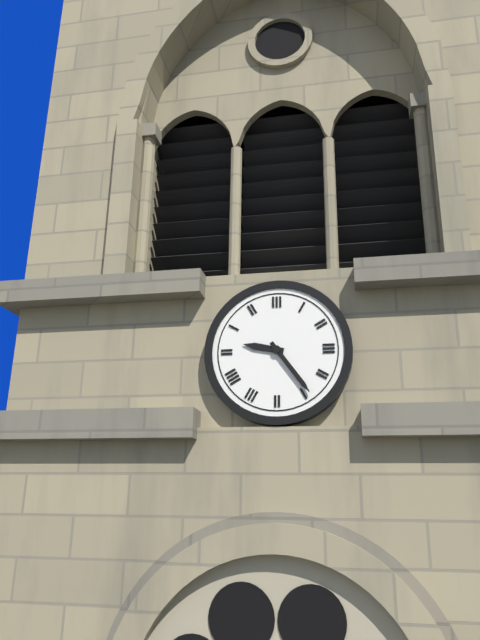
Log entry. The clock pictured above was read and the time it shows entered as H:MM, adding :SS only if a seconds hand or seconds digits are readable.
9:24
